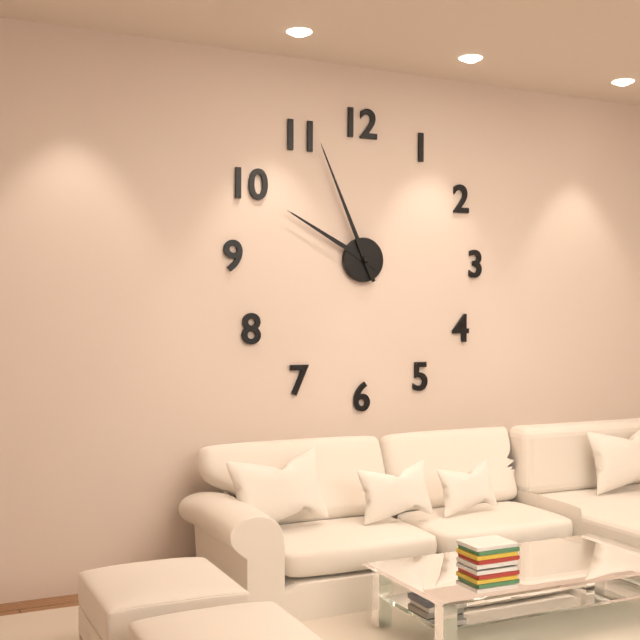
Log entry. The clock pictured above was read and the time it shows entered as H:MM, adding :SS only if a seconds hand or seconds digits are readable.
9:56
